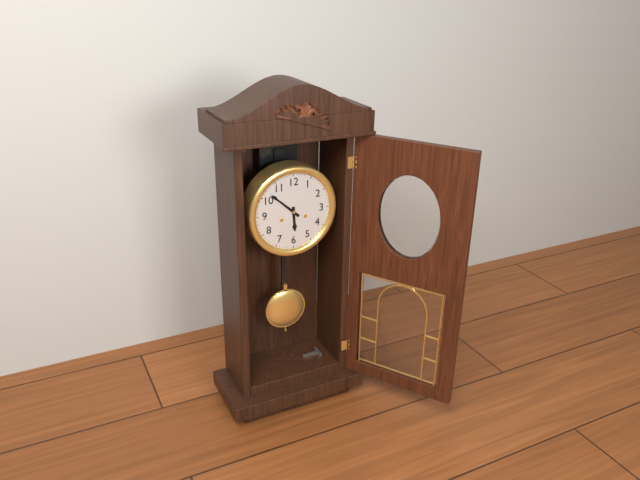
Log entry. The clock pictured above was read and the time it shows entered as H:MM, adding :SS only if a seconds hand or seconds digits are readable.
5:52
